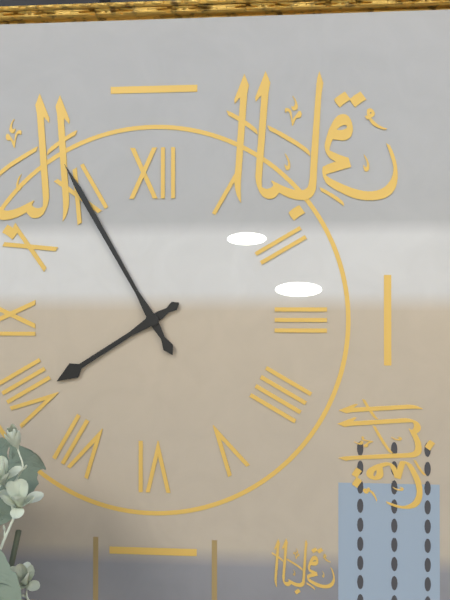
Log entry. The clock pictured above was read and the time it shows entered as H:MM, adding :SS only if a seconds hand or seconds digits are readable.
7:55
